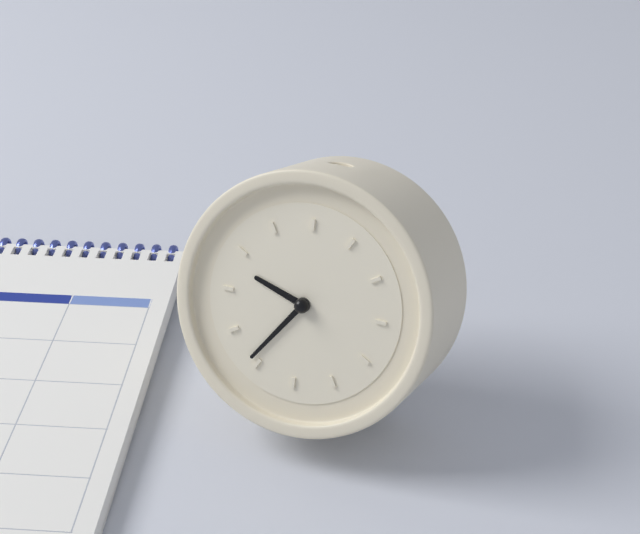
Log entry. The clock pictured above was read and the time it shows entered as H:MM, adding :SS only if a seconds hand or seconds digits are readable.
9:36
